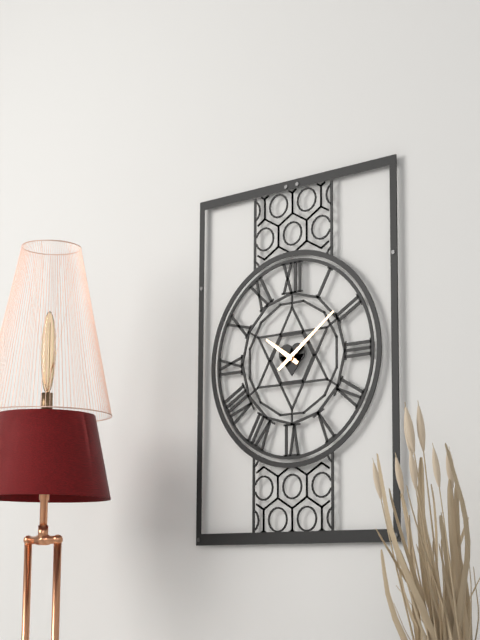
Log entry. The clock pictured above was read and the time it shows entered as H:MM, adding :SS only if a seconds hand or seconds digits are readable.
10:09
